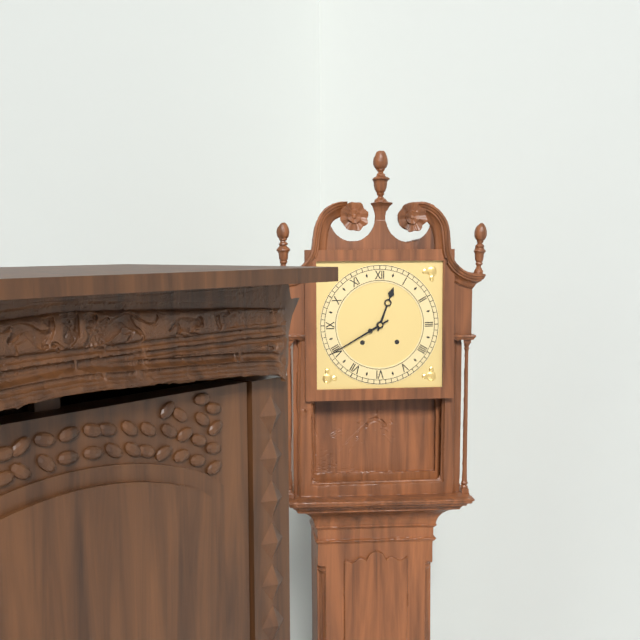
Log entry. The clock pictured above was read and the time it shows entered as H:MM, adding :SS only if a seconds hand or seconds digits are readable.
12:40
